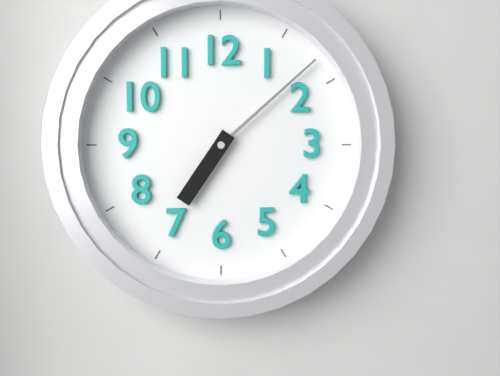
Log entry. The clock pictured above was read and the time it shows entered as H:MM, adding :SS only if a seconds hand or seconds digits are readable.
7:08
